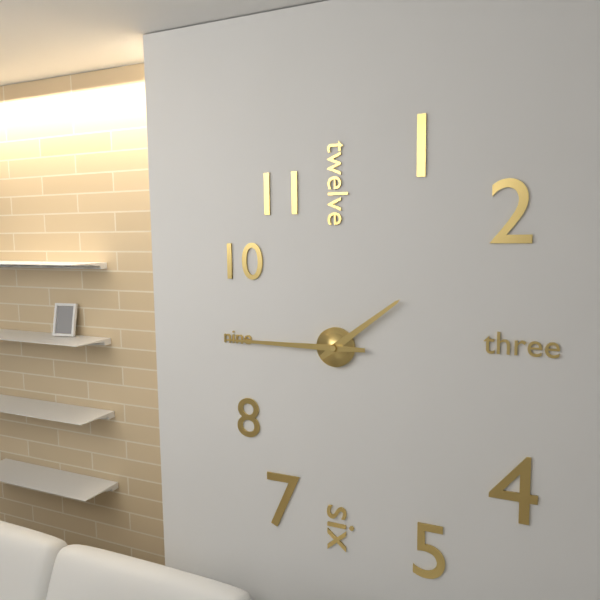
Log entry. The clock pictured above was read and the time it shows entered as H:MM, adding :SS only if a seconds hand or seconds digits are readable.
1:45
